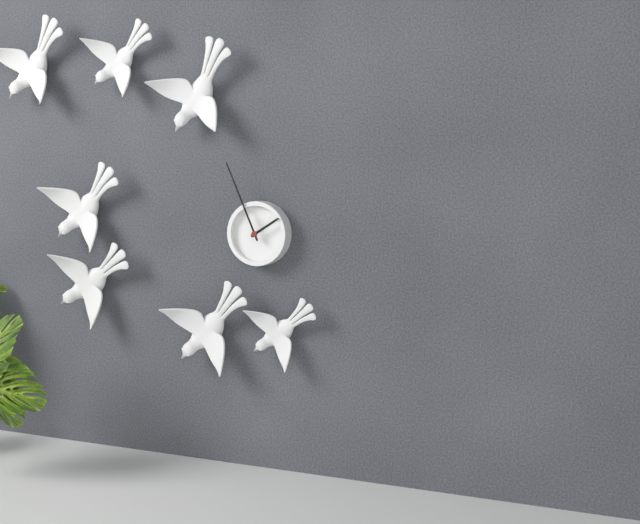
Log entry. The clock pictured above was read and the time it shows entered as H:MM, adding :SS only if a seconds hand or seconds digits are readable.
1:56
